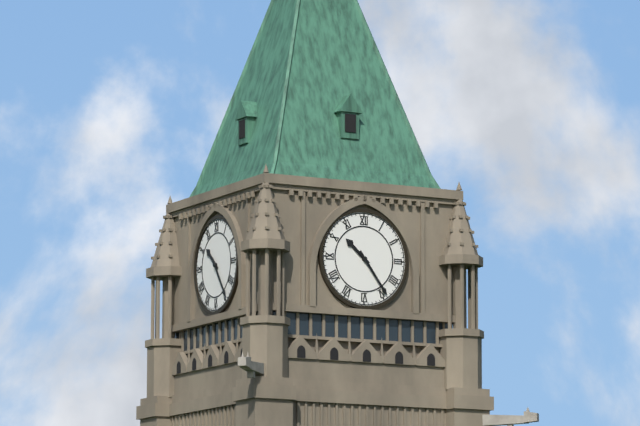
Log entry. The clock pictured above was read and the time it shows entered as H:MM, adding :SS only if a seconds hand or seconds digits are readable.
10:24
